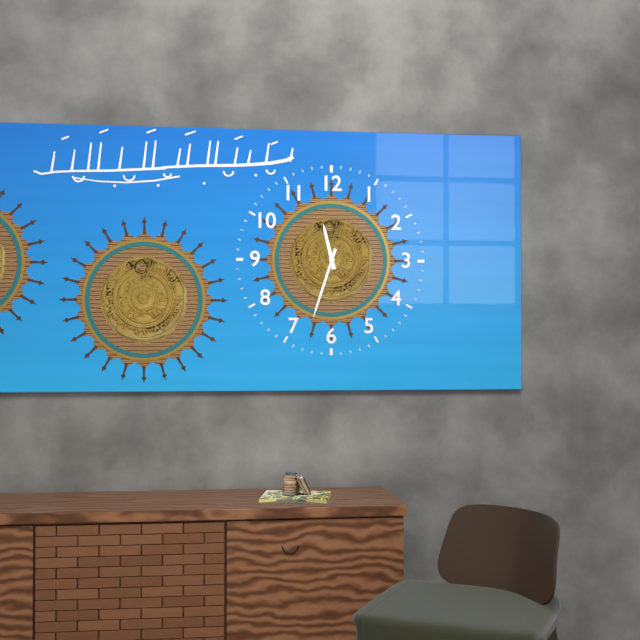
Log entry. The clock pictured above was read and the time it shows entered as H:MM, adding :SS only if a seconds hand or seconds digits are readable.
11:33
